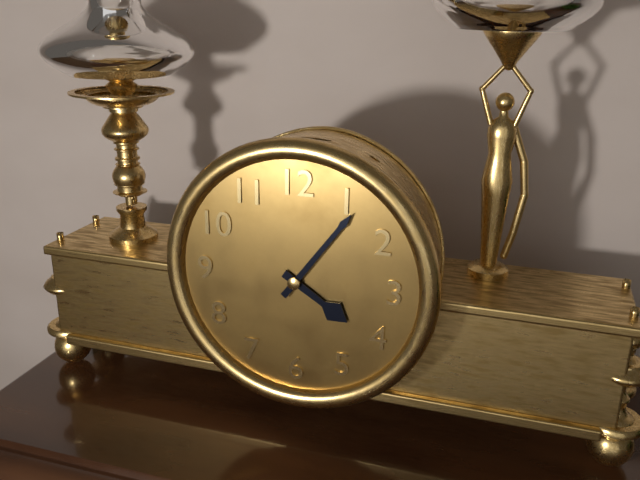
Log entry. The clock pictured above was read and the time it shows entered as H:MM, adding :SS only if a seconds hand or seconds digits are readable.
4:06
